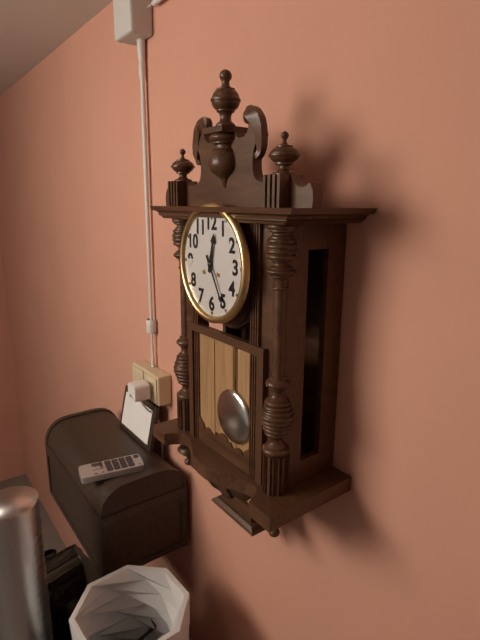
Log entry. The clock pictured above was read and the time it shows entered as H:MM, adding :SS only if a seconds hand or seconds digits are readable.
12:25
